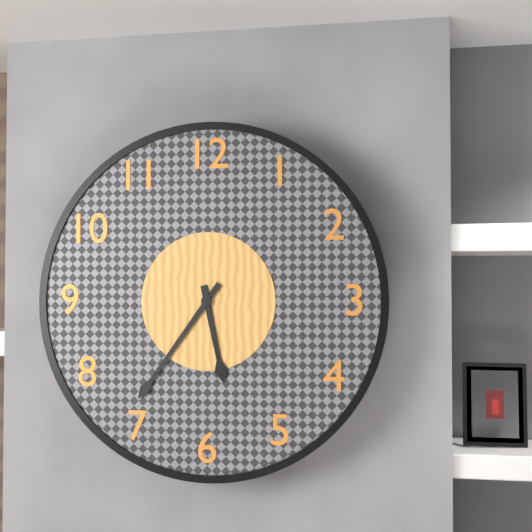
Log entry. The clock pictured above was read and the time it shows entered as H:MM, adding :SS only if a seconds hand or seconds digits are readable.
5:36
